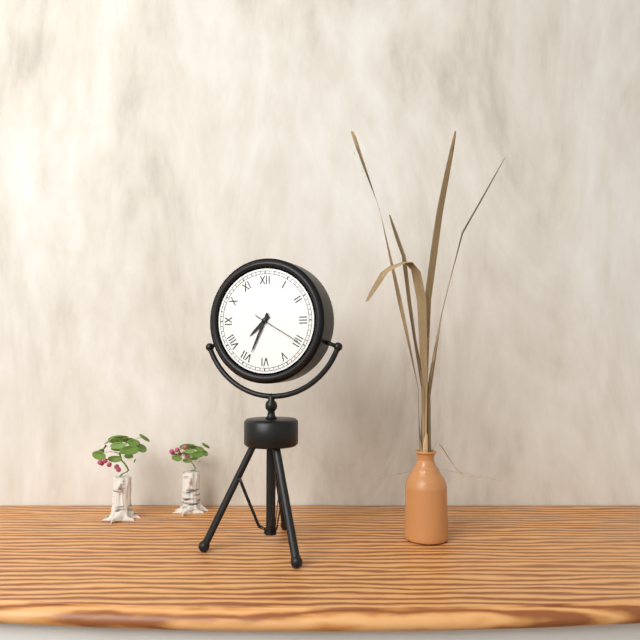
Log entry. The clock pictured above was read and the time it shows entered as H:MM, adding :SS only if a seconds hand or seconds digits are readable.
7:34
